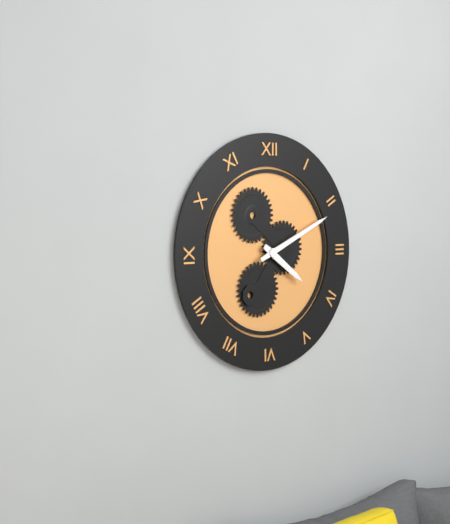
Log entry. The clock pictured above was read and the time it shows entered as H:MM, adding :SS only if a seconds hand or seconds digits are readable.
4:11
